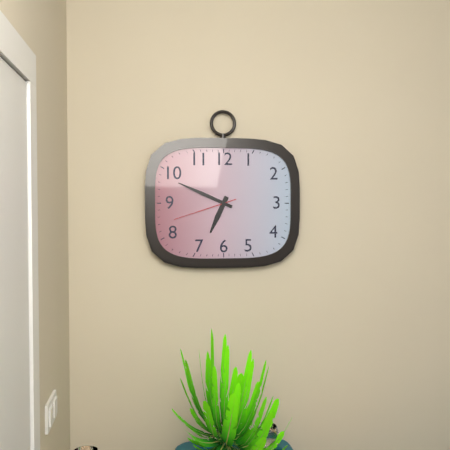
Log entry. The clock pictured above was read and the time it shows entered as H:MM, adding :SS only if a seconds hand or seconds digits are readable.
6:49:42
